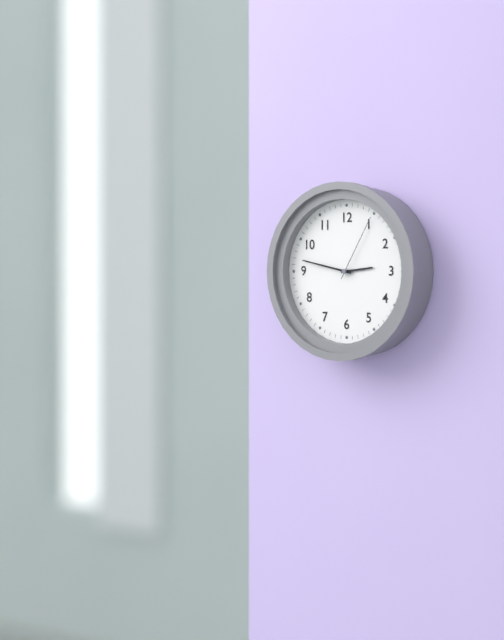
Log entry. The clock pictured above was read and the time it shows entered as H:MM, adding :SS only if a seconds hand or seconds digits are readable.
2:47:05
